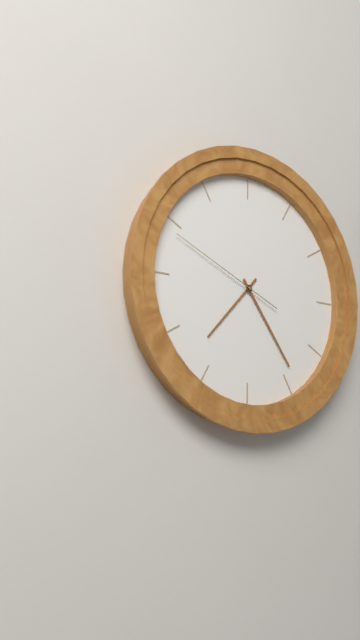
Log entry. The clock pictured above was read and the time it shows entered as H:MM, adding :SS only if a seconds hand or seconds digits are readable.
7:24:49
